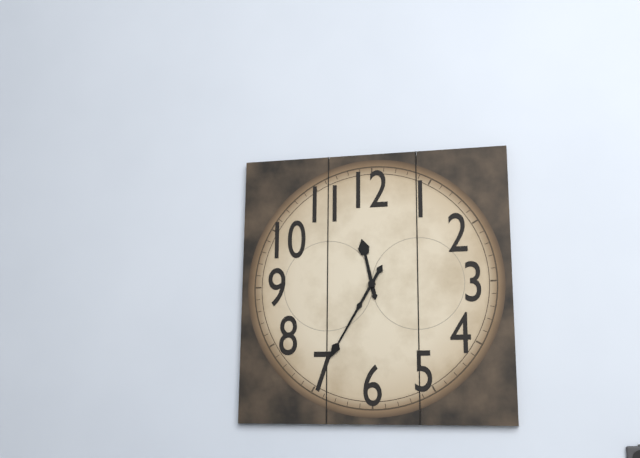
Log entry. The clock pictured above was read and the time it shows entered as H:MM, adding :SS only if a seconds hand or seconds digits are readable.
11:35
